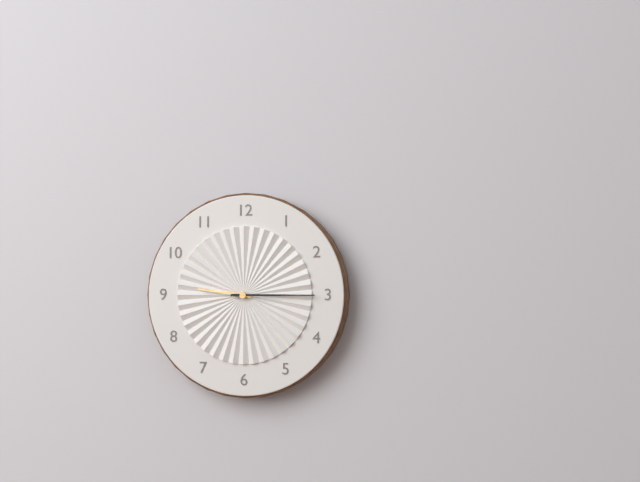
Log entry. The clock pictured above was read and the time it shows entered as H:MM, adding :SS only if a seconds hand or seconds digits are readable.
9:15
